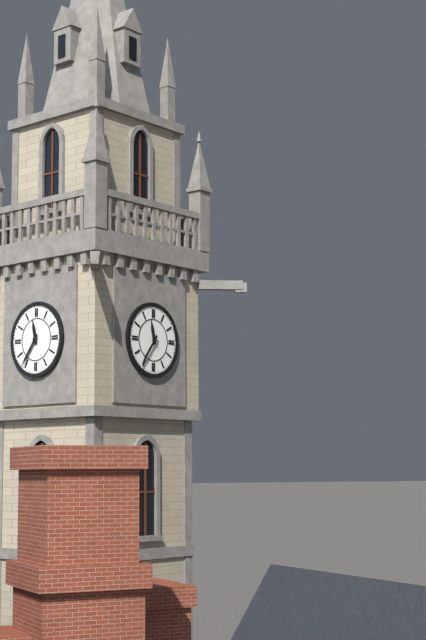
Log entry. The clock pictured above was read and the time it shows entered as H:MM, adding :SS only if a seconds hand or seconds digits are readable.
11:36
